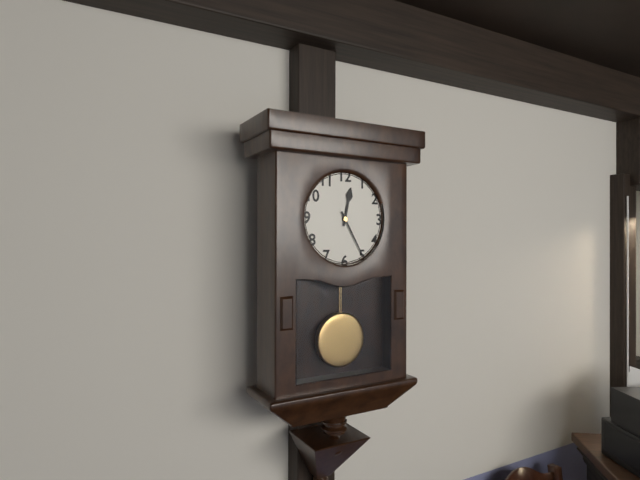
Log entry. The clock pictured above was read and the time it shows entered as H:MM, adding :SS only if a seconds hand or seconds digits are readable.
12:25
